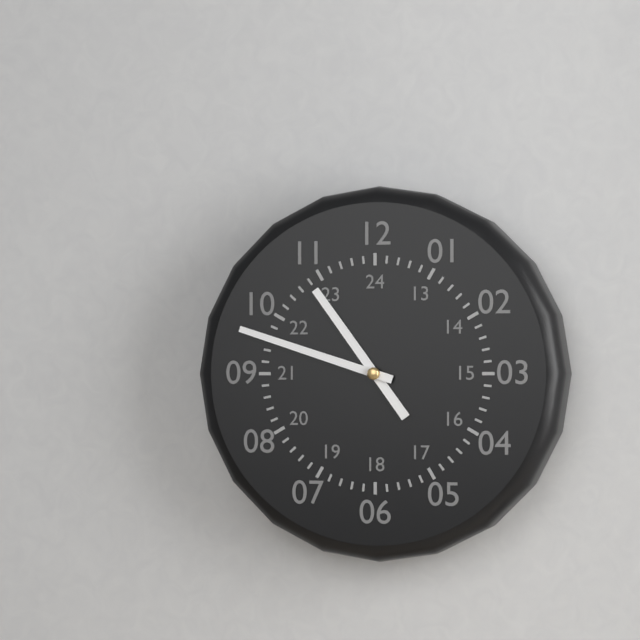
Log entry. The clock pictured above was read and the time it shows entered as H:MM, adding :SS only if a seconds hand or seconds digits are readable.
10:48
